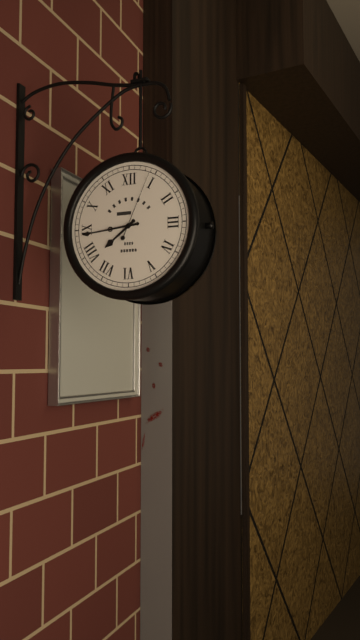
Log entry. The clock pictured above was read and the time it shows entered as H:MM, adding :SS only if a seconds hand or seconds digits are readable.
7:44:04
